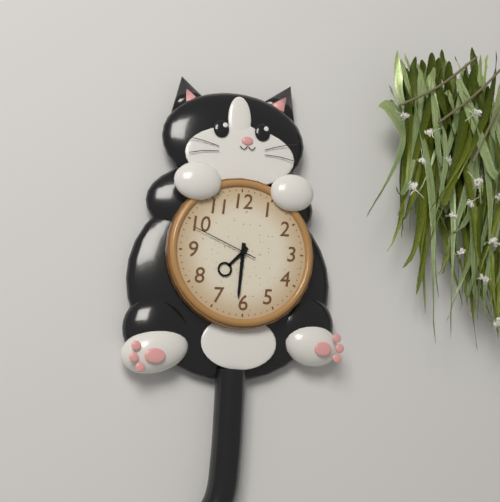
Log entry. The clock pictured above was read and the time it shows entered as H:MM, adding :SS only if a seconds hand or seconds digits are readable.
7:31:49
